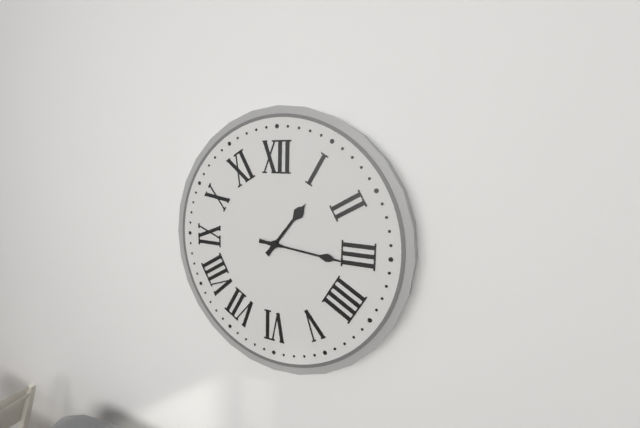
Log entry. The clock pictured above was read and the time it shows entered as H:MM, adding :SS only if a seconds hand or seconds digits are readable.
1:16
